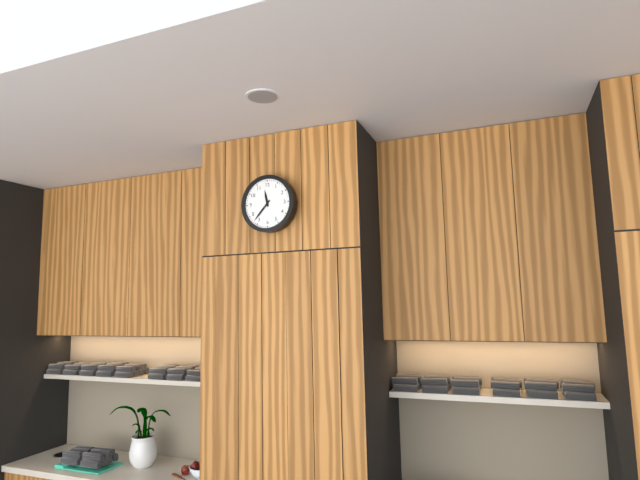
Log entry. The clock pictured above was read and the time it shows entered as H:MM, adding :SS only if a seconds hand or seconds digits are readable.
11:37
